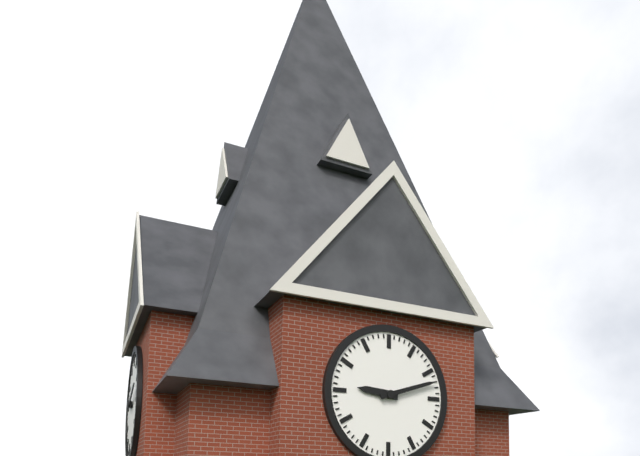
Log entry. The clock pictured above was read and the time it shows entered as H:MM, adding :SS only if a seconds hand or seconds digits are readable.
9:12
